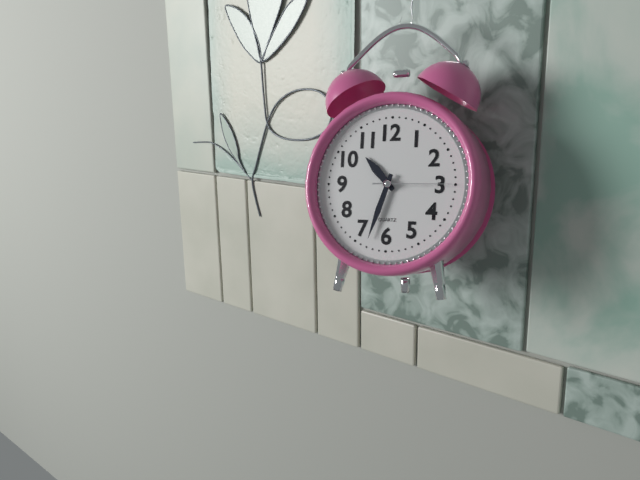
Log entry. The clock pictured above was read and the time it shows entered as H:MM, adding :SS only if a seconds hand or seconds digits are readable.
10:33:15
